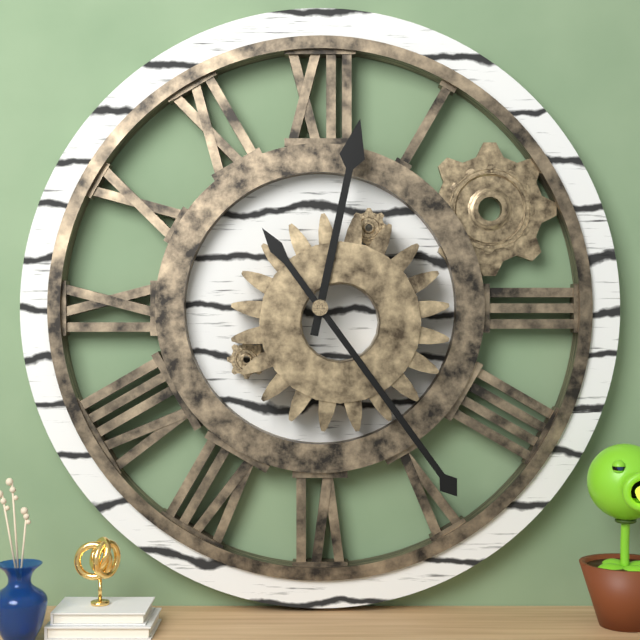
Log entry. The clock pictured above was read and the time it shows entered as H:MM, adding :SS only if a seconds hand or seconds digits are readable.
12:24
